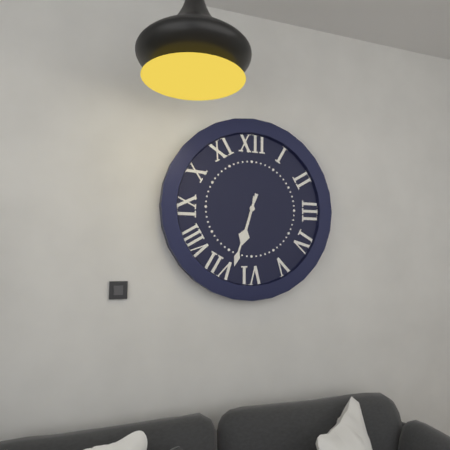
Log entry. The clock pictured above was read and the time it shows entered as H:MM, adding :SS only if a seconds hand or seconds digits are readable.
6:33
